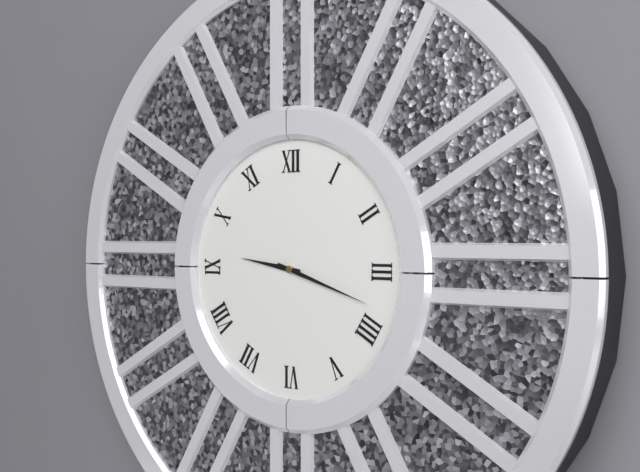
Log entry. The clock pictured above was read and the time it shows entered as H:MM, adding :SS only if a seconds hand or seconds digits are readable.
9:18
